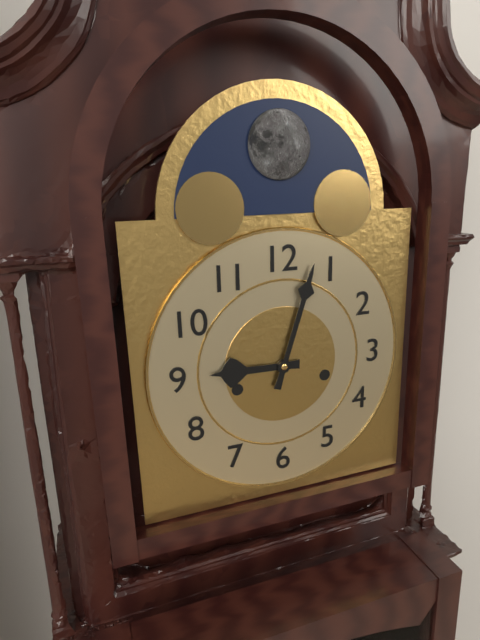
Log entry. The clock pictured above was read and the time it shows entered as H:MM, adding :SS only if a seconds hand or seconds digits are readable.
9:03
